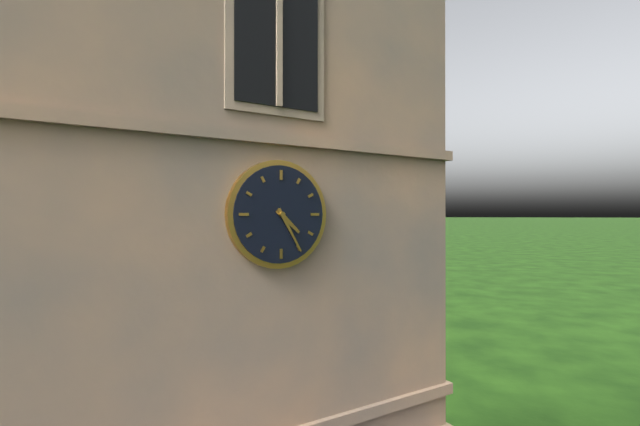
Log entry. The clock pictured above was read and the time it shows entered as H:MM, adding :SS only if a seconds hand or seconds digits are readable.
4:25
